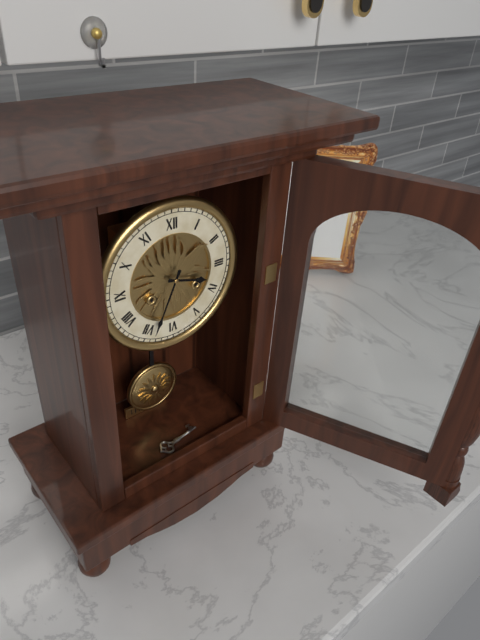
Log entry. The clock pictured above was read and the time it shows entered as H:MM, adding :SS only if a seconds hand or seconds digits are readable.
3:34
